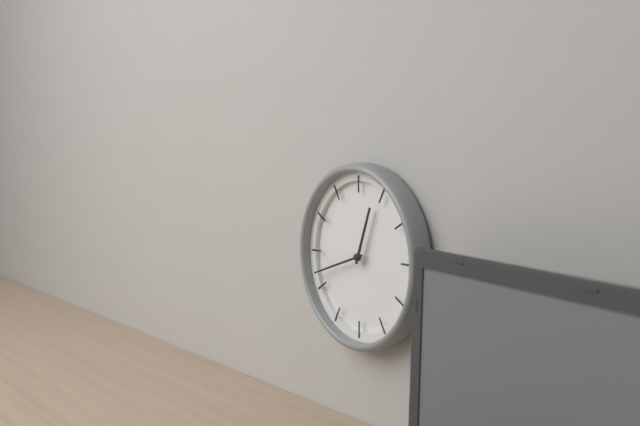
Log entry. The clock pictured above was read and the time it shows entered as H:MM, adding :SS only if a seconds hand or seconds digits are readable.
12:42
